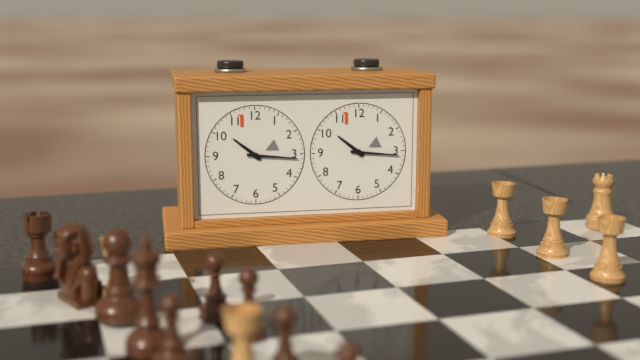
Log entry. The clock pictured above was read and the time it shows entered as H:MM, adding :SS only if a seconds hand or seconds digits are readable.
10:16
